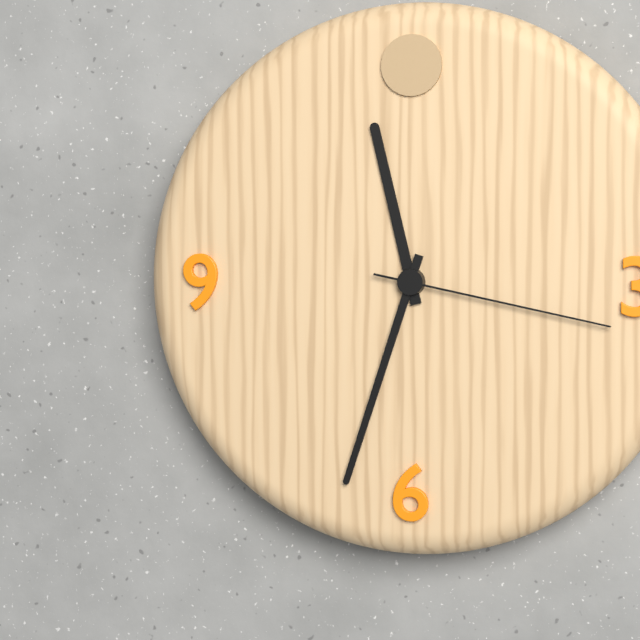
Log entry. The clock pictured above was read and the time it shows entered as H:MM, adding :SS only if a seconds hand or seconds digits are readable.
11:33:17
